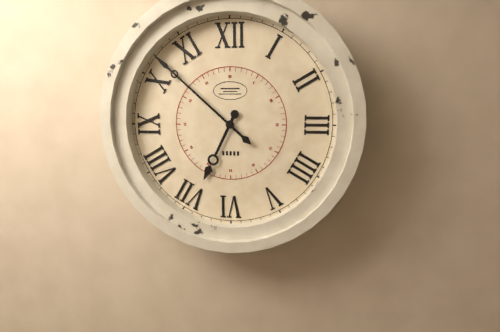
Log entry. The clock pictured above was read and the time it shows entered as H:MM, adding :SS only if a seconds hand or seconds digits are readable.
6:52
